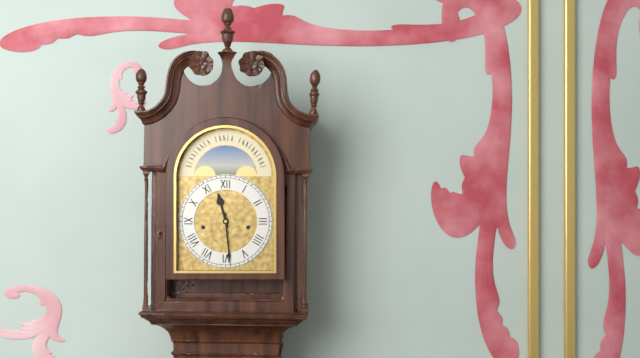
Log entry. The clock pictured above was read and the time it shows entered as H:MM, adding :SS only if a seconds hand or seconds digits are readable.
11:29
